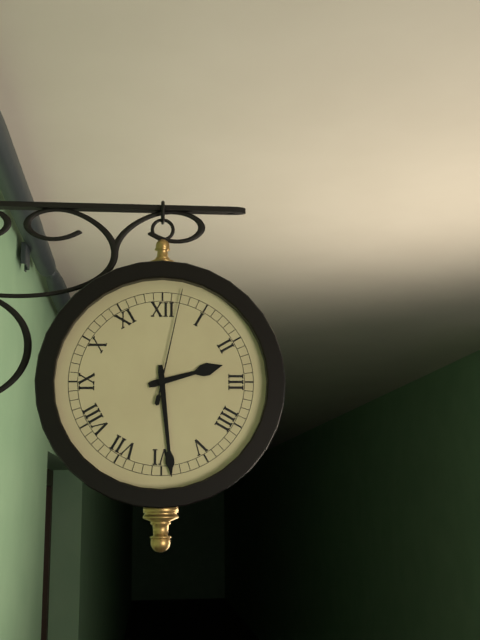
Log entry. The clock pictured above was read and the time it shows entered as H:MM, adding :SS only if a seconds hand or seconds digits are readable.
2:29:02
